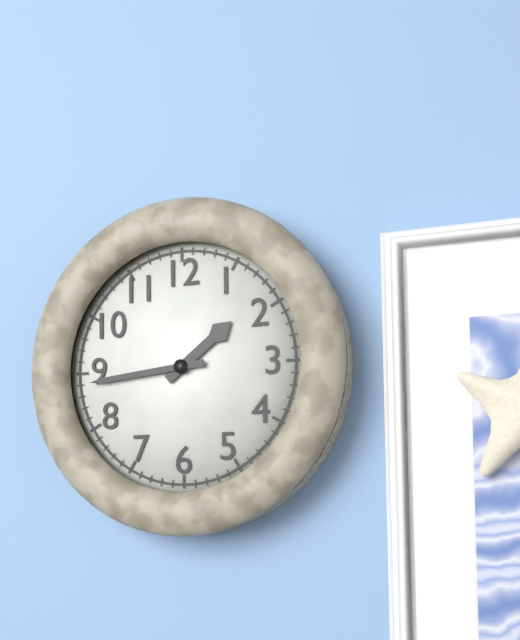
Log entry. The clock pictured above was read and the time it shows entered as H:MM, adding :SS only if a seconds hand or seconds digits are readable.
1:44
